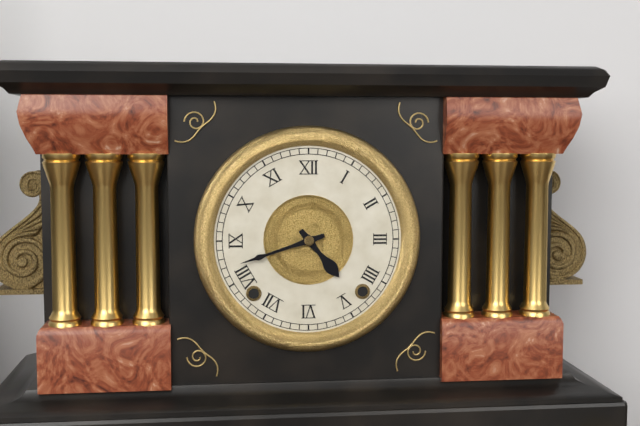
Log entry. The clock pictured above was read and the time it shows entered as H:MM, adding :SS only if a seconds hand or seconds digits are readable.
4:42
